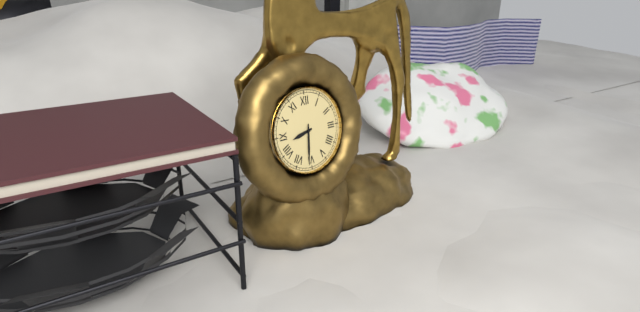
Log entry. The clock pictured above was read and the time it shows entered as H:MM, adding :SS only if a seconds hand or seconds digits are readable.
8:31
